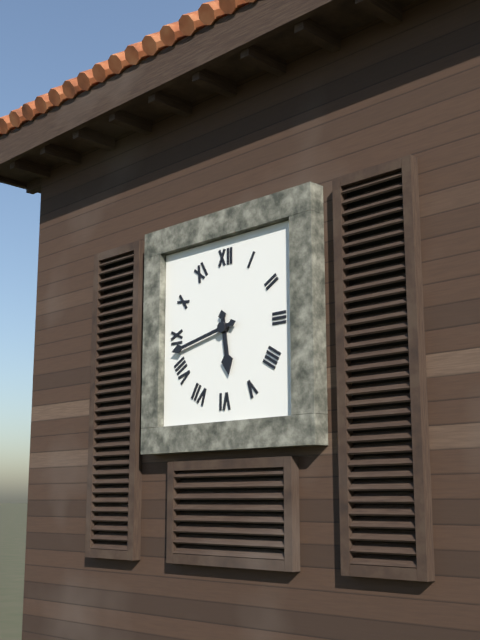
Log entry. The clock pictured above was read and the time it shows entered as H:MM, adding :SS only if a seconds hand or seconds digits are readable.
5:43
